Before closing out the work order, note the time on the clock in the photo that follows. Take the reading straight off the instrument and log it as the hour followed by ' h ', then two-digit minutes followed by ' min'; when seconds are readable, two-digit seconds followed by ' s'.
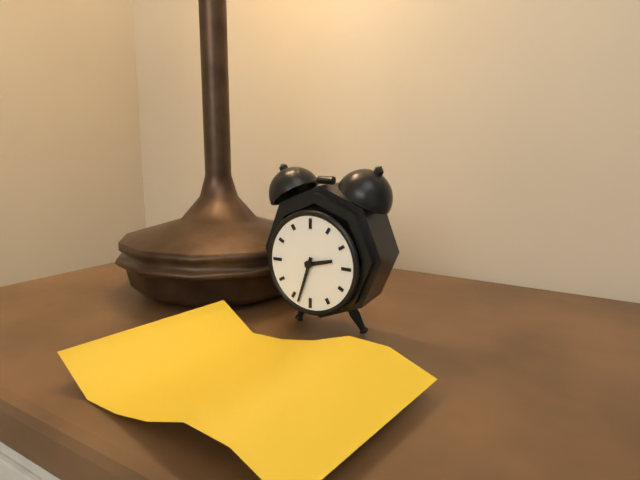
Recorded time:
2 h 33 min
